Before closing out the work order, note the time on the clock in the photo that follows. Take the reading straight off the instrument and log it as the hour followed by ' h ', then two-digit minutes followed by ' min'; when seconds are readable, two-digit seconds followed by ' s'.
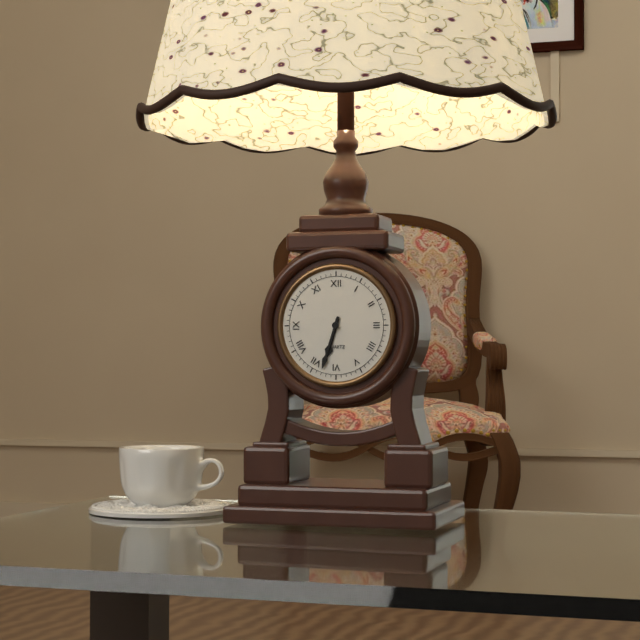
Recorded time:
6 h 33 min
